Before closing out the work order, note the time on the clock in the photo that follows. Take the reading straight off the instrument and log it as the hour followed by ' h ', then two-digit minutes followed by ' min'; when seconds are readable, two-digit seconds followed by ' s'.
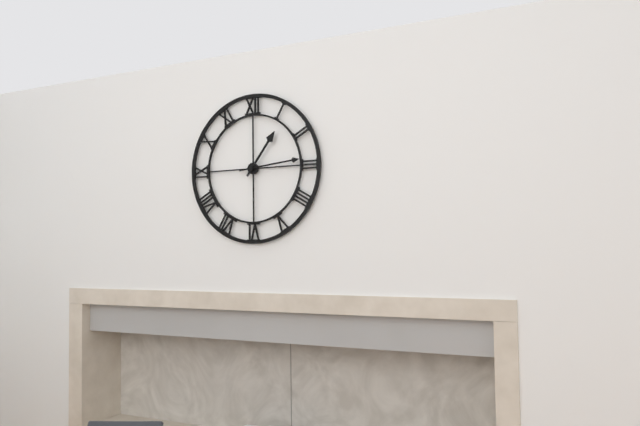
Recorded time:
1 h 14 min
